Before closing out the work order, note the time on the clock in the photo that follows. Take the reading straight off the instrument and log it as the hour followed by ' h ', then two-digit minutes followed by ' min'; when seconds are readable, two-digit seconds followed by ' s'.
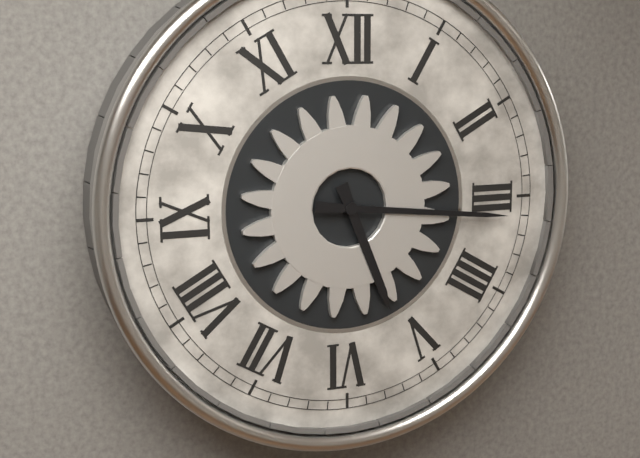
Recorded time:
5 h 16 min
